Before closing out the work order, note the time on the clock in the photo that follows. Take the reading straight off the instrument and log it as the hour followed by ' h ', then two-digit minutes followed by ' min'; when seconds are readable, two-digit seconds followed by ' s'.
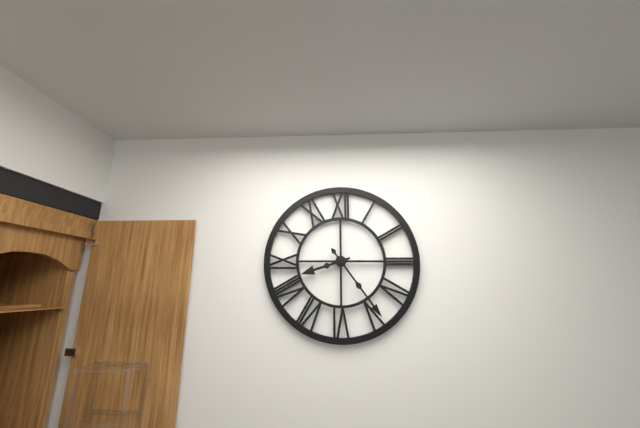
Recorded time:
8 h 24 min
